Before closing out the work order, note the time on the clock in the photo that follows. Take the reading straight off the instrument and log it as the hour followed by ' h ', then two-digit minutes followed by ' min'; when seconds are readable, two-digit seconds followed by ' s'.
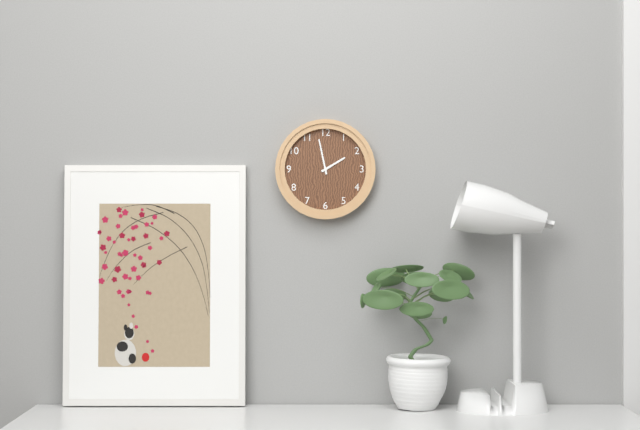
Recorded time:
1 h 58 min
